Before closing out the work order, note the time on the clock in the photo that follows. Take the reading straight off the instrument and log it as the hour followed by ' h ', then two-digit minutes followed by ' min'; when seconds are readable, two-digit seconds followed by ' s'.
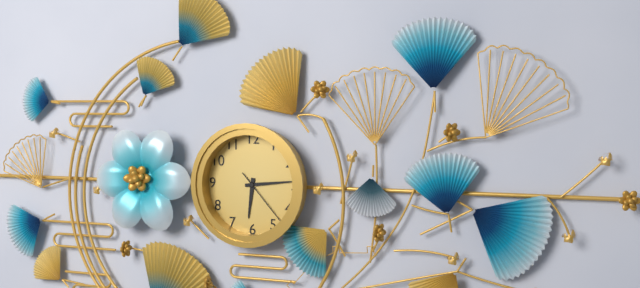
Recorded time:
6 h 14 min 23 s
